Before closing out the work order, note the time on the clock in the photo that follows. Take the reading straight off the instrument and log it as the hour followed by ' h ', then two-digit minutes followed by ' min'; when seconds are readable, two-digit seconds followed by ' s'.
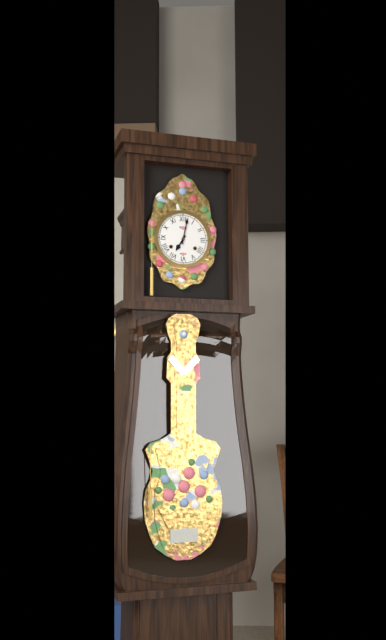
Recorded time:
7 h 02 min
